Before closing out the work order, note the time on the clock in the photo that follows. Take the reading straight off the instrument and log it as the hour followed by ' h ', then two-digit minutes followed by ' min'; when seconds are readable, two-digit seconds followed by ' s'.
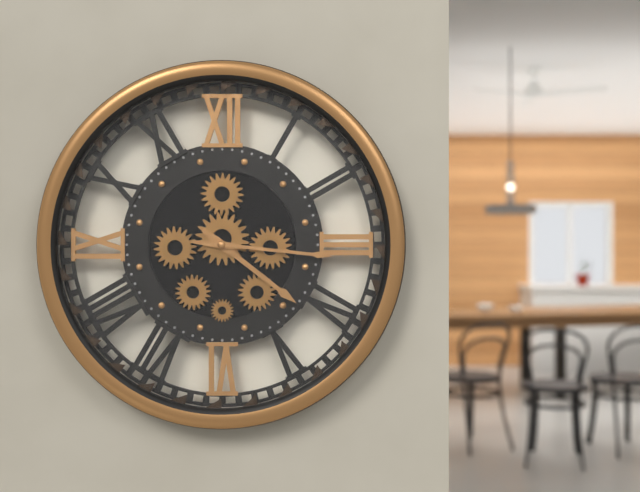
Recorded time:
4 h 16 min
